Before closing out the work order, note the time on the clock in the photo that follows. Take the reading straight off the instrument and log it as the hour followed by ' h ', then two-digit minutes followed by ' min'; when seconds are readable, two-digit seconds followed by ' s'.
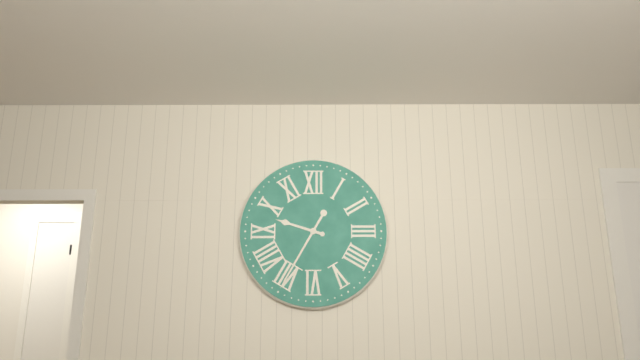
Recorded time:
9 h 35 min
